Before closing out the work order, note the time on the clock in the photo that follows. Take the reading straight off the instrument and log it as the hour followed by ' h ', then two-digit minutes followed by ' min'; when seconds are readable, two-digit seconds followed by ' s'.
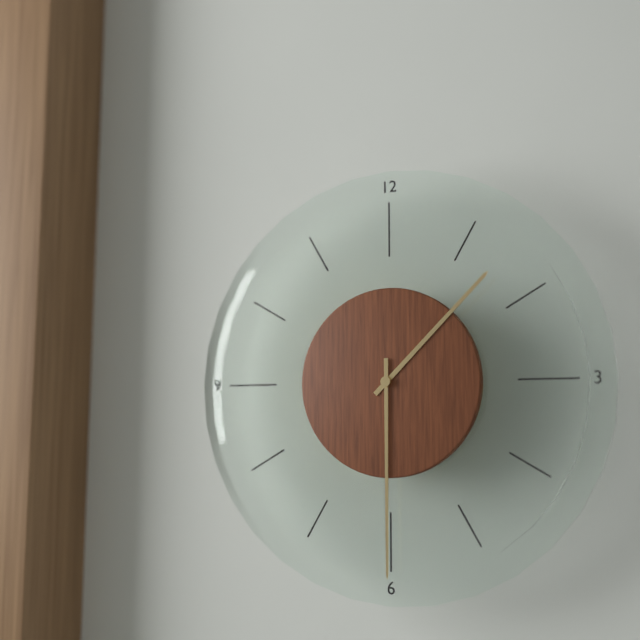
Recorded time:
1 h 30 min
